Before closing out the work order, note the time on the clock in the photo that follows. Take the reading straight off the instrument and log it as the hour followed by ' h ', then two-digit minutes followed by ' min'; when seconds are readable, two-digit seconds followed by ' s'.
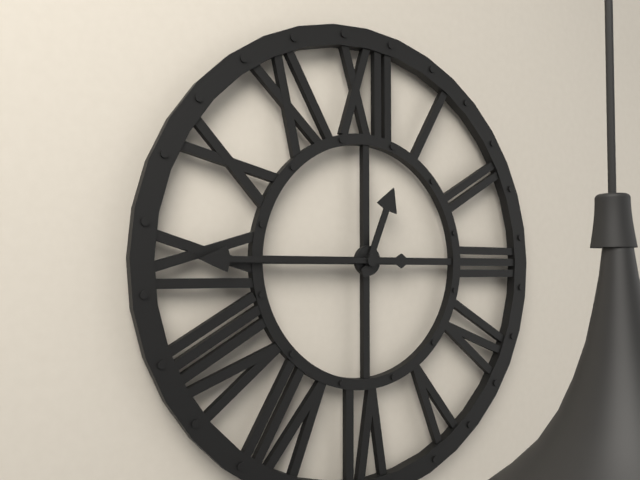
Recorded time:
12 h 45 min
